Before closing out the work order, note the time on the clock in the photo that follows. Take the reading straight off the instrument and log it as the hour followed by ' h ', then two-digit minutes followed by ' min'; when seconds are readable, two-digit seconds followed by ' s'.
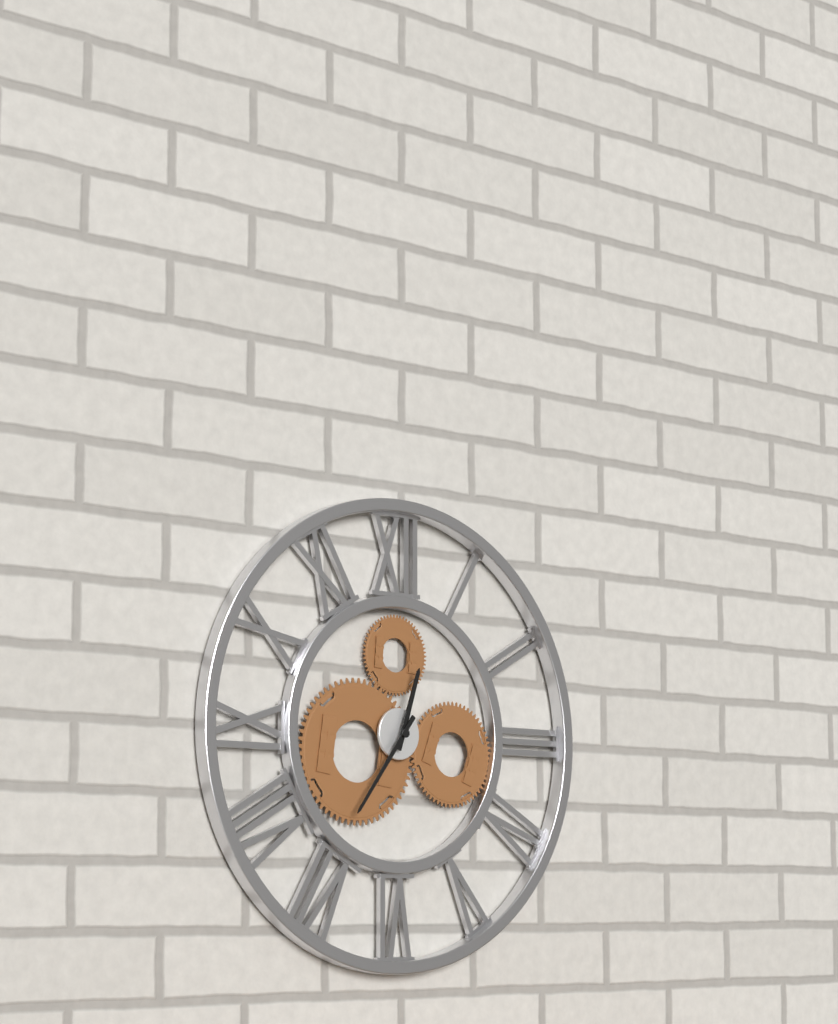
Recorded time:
12 h 36 min
